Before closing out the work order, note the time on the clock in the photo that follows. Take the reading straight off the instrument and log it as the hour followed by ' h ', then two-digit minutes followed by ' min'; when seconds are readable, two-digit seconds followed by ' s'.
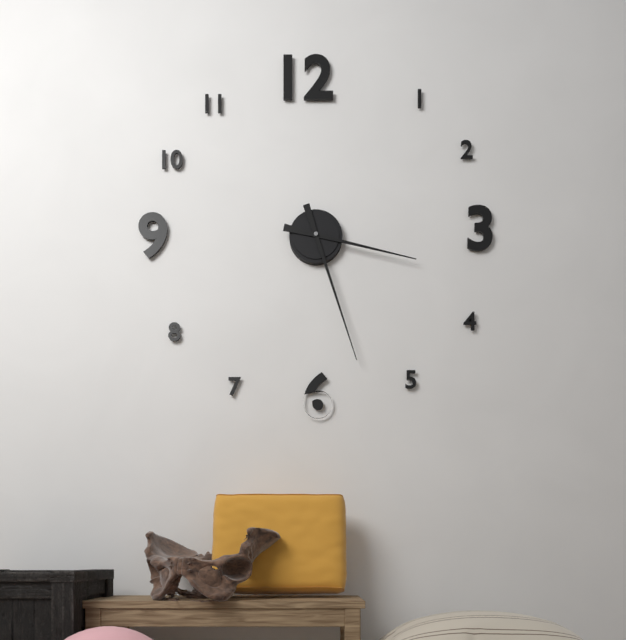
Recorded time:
3 h 27 min
